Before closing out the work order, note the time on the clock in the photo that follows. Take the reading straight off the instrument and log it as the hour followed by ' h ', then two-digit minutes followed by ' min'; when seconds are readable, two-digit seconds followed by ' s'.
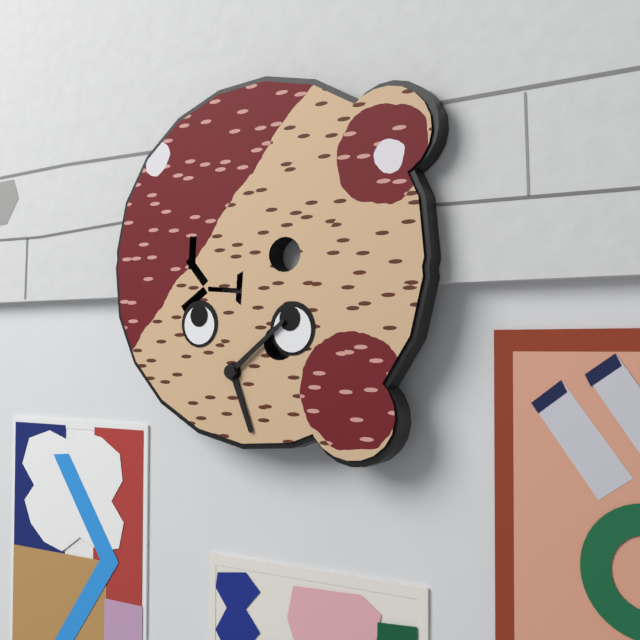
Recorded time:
5 h 08 min
